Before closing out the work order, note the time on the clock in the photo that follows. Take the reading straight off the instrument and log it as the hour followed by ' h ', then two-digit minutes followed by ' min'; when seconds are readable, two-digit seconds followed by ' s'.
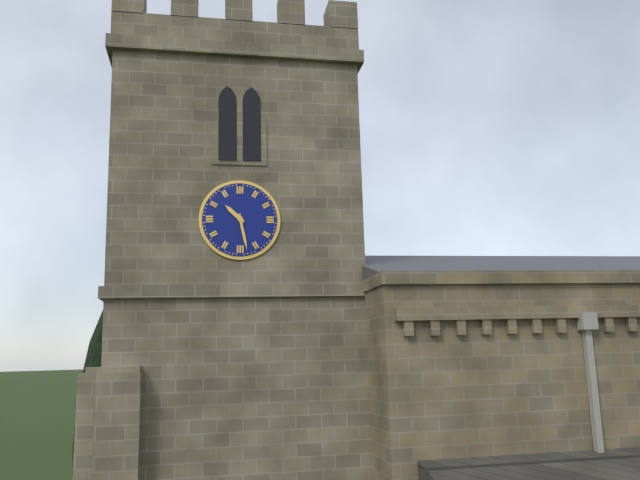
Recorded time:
10 h 28 min
